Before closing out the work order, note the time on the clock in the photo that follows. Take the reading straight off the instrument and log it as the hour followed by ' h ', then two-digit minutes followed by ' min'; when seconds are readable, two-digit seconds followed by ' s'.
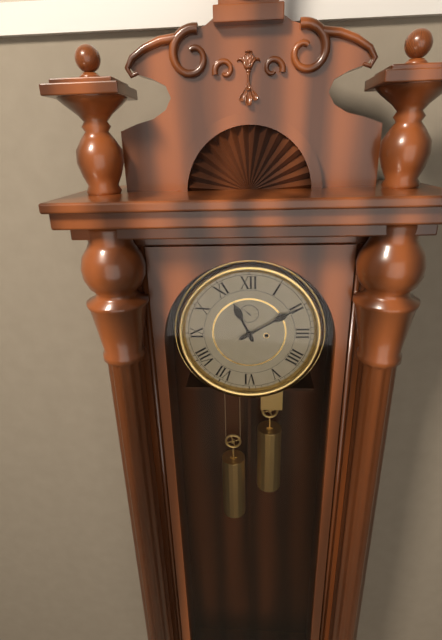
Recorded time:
11 h 10 min
